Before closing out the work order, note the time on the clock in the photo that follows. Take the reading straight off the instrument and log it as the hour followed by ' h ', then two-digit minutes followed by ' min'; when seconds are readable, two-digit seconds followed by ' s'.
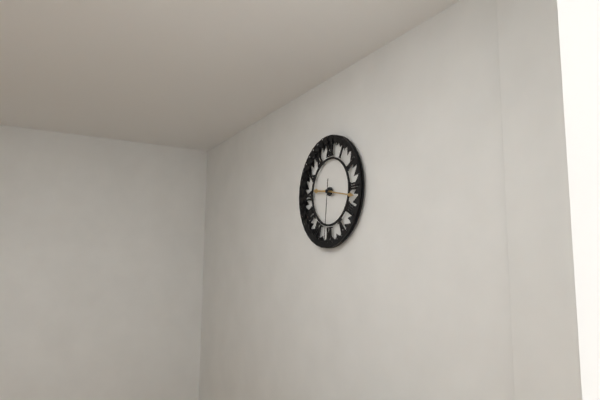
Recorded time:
9 h 17 min 31 s
